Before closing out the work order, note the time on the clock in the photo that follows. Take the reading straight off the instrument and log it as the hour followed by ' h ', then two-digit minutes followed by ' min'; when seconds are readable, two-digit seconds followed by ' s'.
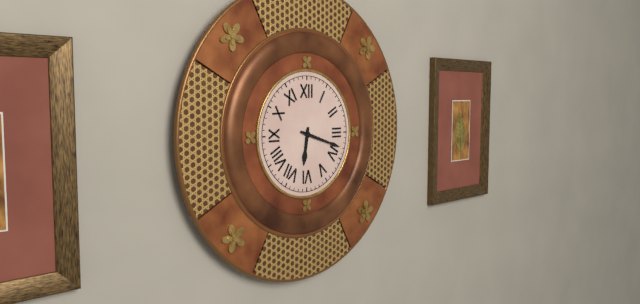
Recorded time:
6 h 18 min
